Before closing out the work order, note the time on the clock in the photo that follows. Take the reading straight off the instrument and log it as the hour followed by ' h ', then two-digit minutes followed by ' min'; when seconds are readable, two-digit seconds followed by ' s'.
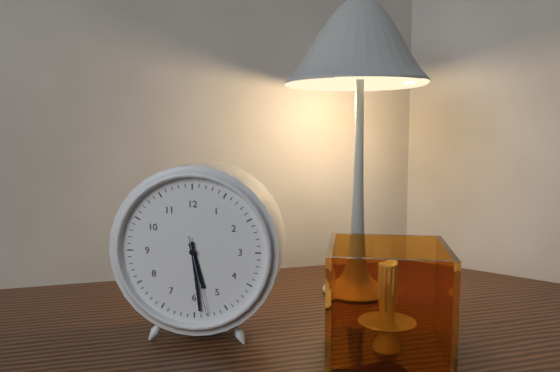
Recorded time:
5 h 29 min 28 s
